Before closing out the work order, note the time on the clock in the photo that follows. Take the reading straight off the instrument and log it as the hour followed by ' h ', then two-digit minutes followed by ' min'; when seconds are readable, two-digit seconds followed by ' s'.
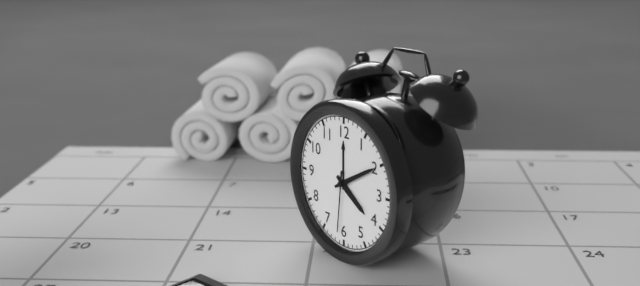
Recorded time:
4 h 10 min 31 s
